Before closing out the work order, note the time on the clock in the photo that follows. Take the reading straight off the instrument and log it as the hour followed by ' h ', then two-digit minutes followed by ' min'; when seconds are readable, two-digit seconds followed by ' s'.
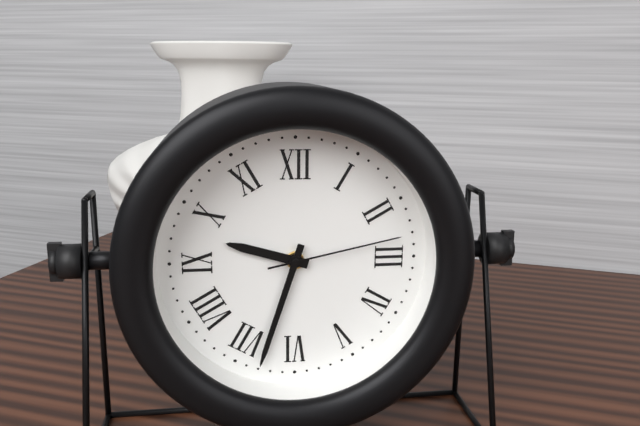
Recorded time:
9 h 33 min 13 s
